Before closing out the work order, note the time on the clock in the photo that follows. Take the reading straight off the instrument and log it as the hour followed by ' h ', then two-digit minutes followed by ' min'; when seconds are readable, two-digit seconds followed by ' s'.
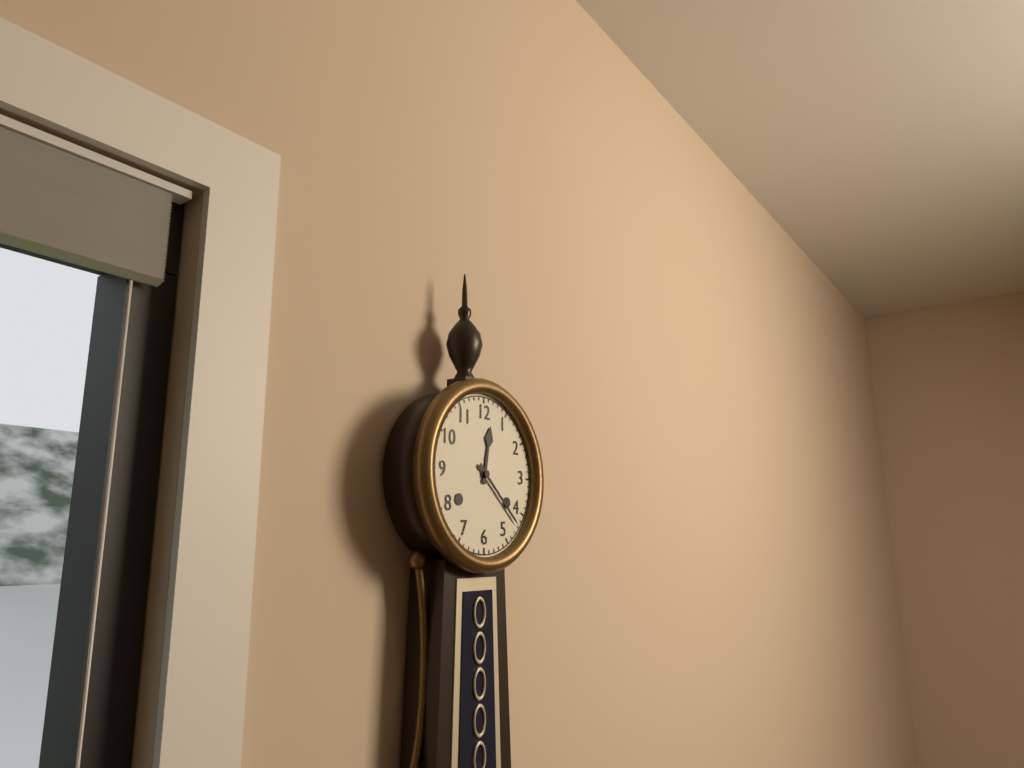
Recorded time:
12 h 22 min
